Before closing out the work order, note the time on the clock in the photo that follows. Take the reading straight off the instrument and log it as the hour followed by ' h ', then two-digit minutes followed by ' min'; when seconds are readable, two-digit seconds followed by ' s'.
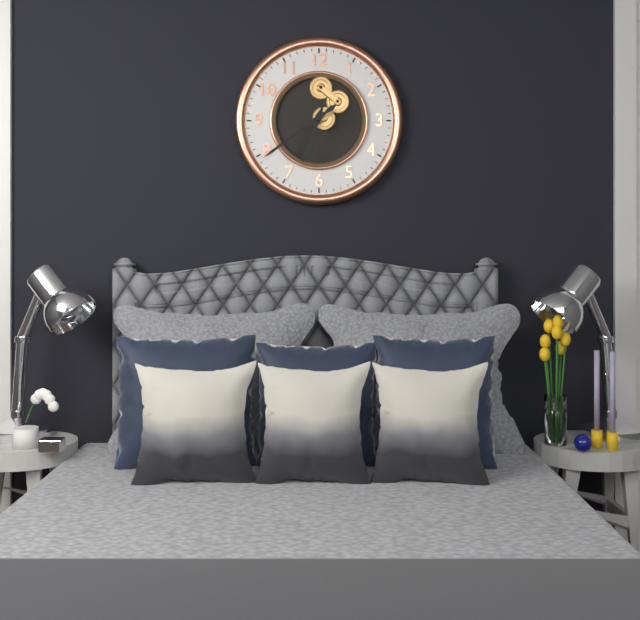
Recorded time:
6 h 39 min
